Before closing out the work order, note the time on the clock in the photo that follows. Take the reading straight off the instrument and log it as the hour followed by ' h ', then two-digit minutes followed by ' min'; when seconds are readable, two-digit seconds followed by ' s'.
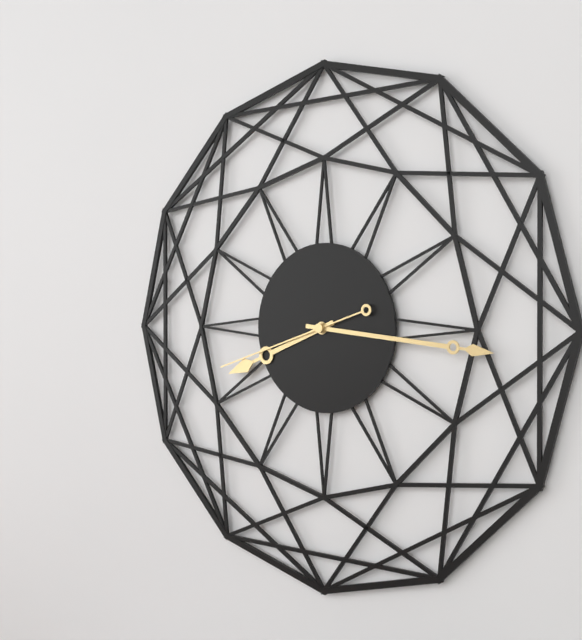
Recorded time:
8 h 16 min 42 s
